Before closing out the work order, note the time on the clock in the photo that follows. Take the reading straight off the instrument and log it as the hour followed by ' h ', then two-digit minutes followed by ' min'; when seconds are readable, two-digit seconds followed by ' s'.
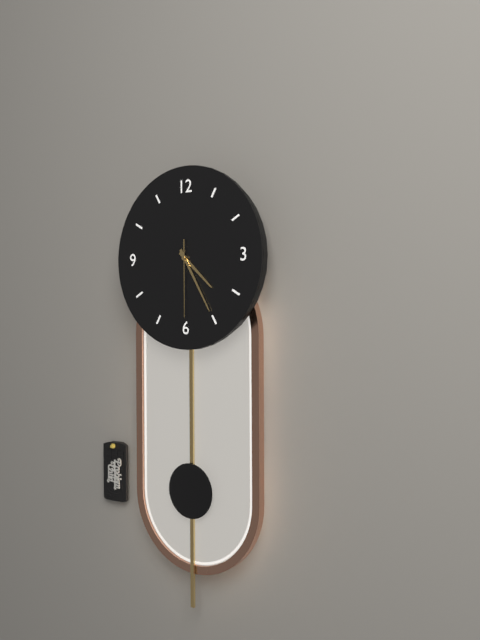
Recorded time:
4 h 25 min 30 s
